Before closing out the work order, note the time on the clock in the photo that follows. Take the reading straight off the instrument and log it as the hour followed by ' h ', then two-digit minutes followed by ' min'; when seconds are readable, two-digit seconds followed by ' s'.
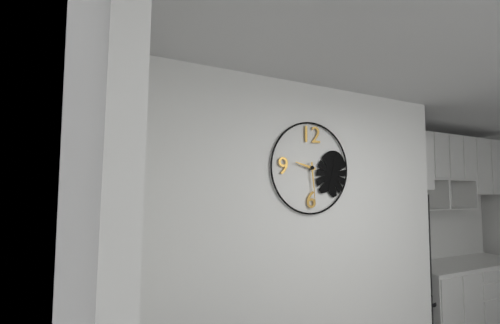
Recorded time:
9 h 29 min
